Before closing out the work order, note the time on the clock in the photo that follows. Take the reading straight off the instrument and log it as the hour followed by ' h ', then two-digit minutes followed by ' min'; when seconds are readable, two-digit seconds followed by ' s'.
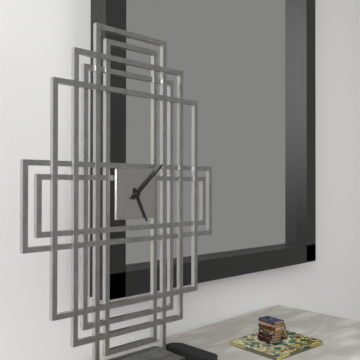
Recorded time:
5 h 08 min
